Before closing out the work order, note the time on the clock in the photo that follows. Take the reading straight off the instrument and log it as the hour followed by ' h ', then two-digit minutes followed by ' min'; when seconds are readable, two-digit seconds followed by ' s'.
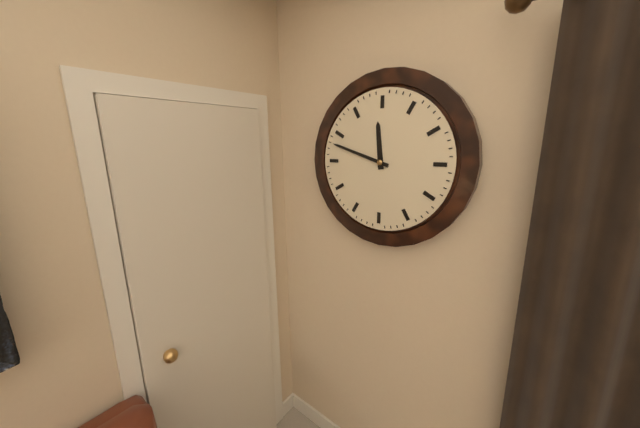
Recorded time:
11 h 48 min
